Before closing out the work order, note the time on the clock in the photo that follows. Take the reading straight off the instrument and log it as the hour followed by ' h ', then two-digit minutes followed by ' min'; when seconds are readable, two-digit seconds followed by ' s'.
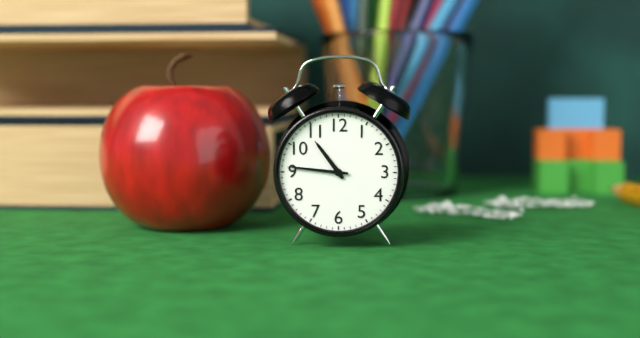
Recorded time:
10 h 46 min
